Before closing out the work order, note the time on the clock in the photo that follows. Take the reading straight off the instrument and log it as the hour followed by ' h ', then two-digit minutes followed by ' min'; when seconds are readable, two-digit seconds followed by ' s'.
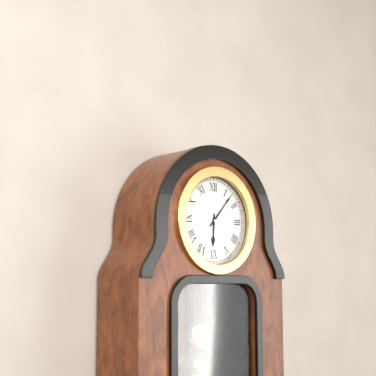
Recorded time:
6 h 07 min
